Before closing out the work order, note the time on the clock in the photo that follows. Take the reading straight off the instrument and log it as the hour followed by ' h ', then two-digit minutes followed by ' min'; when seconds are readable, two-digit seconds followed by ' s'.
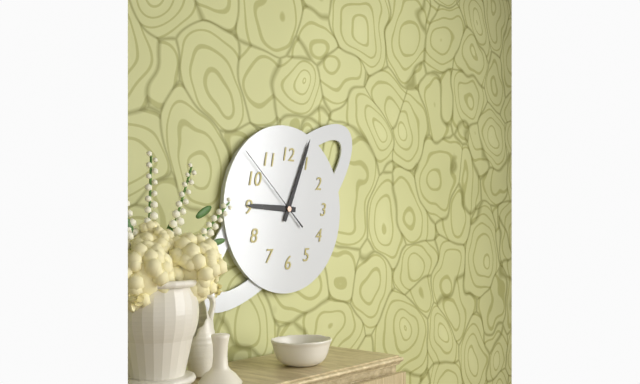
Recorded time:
9 h 04 min 52 s
